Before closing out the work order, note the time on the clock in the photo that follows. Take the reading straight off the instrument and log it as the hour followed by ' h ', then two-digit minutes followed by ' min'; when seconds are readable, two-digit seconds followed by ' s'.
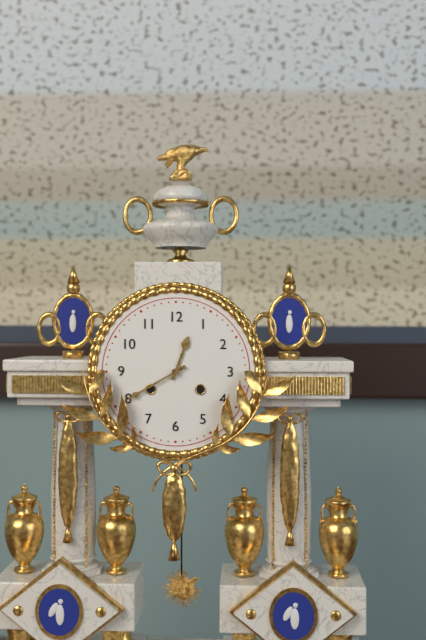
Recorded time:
12 h 40 min
